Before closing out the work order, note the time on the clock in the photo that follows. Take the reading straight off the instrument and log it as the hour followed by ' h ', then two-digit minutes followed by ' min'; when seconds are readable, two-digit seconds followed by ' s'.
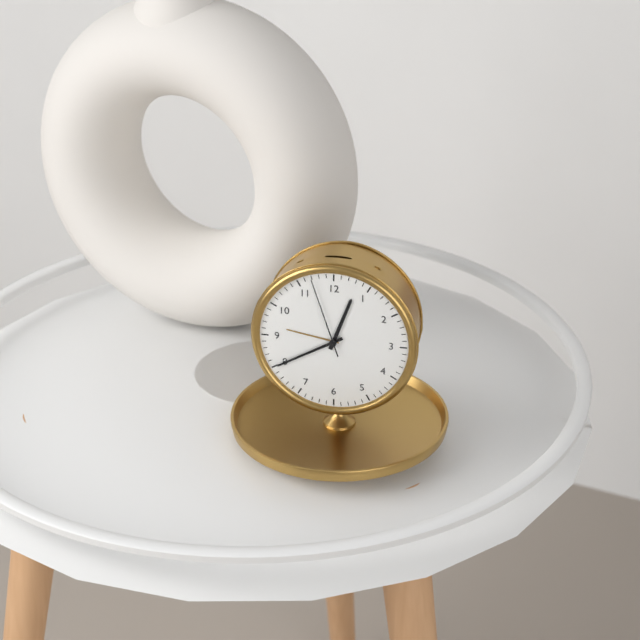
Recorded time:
12 h 40 min 57 s
